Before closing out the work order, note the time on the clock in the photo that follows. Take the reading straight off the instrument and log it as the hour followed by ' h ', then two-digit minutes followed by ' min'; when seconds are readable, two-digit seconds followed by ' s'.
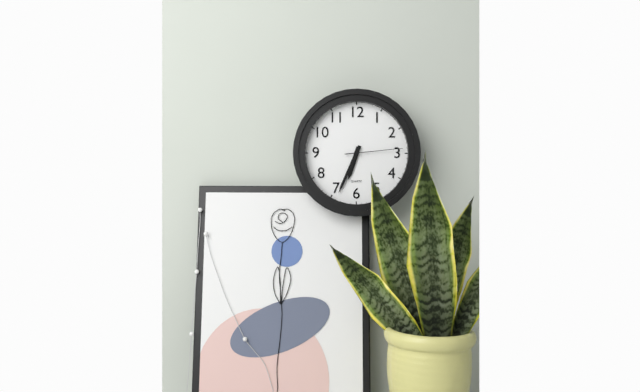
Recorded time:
6 h 34 min 14 s
